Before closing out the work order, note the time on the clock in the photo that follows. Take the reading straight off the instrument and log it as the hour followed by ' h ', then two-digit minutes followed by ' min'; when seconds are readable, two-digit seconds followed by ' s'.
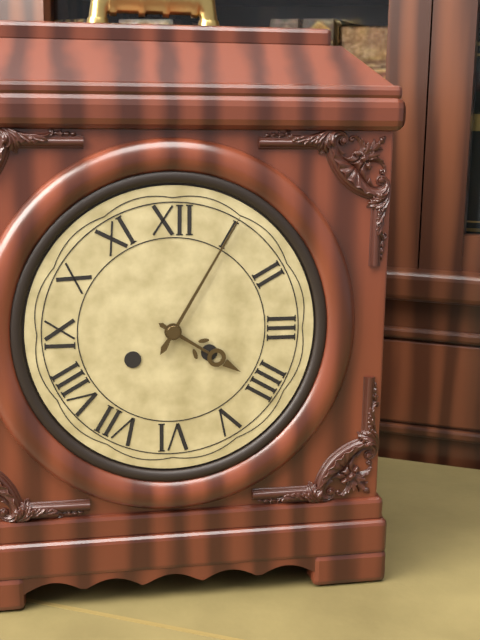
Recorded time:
4 h 05 min
